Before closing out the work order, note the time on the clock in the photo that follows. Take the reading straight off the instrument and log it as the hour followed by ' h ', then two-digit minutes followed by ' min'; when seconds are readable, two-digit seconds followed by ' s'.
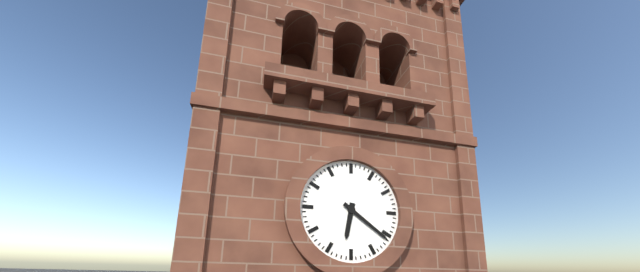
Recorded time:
6 h 21 min
